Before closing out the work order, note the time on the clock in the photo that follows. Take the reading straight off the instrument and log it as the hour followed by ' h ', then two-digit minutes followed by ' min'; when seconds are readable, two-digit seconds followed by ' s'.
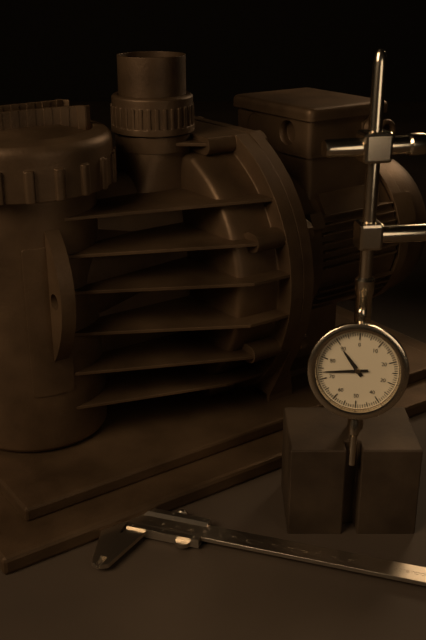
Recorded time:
10 h 44 min
